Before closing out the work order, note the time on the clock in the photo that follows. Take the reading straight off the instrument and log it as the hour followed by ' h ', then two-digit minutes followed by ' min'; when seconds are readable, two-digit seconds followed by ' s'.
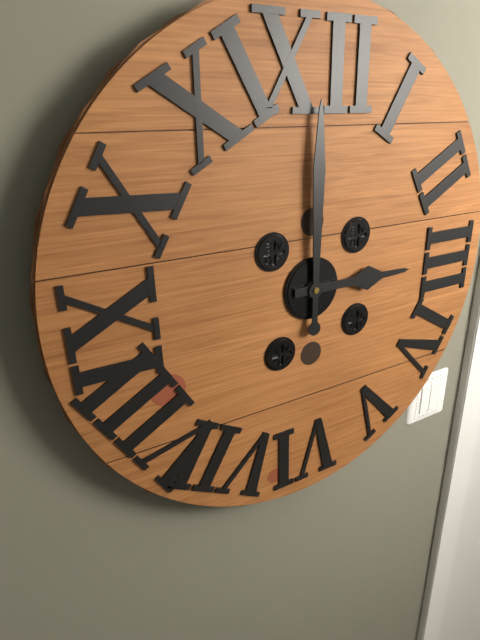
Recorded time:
3 h 00 min
